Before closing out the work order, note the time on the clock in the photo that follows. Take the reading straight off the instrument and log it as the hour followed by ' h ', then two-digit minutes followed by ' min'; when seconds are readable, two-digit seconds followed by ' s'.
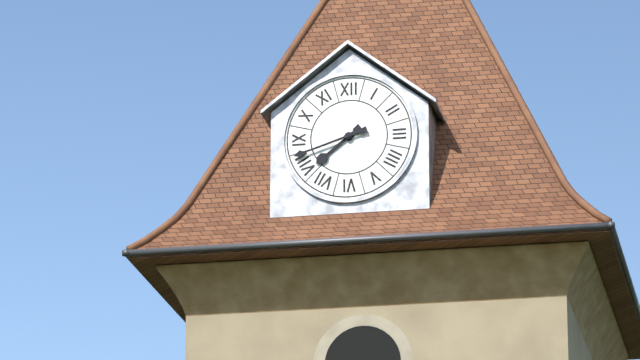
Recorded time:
7 h 42 min
